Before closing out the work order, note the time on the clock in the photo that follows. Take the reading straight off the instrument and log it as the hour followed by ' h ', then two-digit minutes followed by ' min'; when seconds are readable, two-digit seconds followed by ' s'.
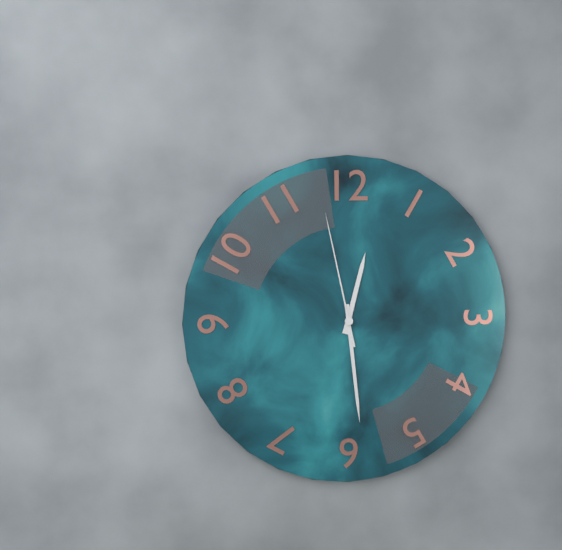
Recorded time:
12 h 29 min 58 s
